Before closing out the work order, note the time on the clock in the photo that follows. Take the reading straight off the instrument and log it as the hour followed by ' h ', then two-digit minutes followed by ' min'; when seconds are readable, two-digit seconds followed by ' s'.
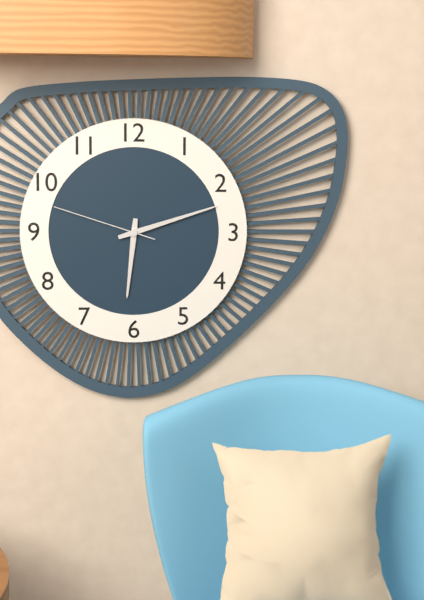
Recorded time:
6 h 12 min 48 s
